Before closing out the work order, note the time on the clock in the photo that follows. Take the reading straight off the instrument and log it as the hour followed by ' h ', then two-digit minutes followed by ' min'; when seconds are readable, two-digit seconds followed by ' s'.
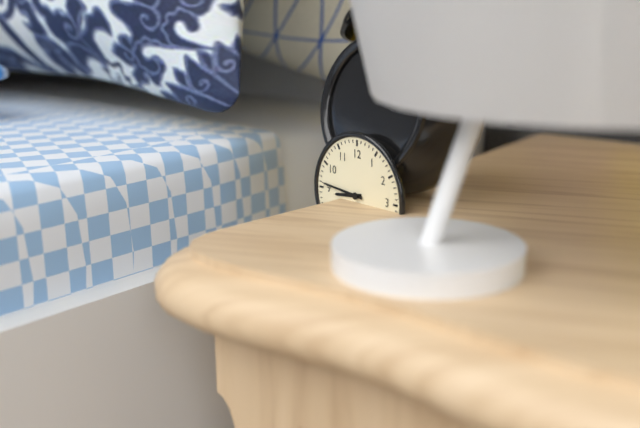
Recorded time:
8 h 46 min
